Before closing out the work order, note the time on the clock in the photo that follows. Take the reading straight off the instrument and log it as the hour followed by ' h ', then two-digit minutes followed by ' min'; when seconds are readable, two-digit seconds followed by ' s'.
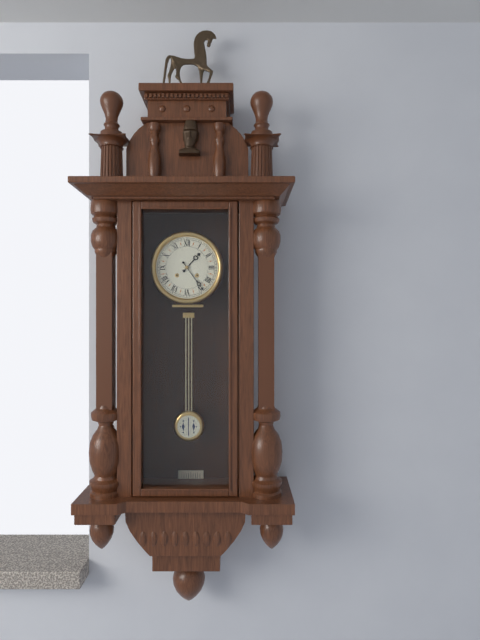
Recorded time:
1 h 24 min
